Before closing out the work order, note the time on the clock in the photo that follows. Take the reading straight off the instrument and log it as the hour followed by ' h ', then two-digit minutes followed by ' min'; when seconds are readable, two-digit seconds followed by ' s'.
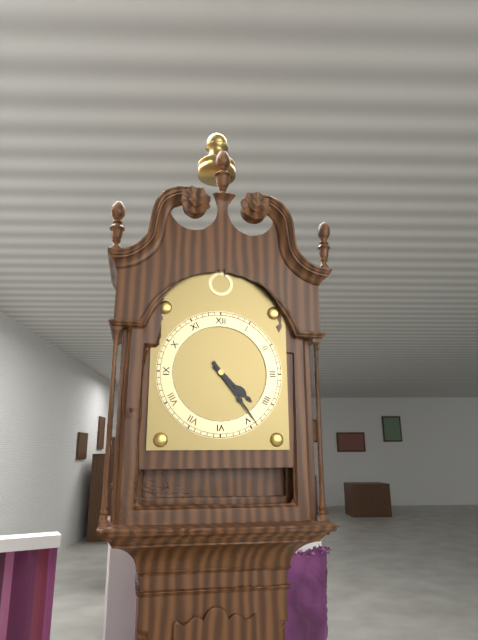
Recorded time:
4 h 24 min
